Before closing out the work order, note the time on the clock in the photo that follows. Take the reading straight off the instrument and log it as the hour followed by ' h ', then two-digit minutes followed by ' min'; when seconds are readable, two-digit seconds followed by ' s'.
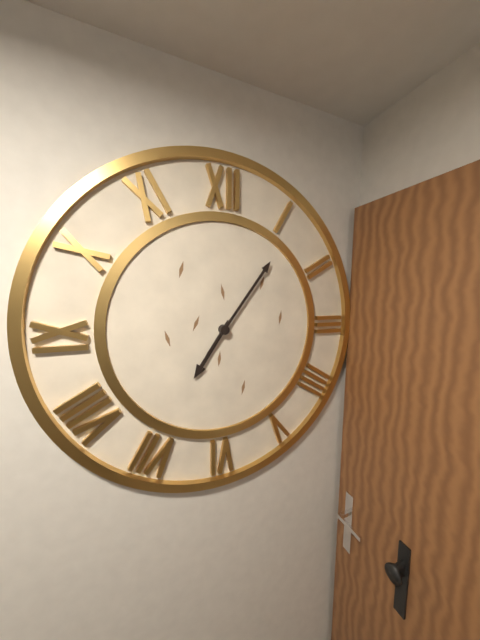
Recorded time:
7 h 06 min
